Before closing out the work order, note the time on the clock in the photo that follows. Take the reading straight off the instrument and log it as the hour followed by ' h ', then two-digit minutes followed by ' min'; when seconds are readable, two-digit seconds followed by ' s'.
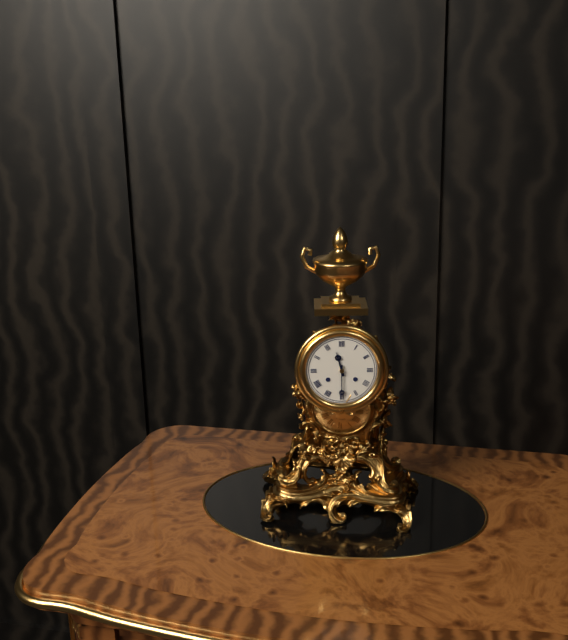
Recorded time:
11 h 30 min
